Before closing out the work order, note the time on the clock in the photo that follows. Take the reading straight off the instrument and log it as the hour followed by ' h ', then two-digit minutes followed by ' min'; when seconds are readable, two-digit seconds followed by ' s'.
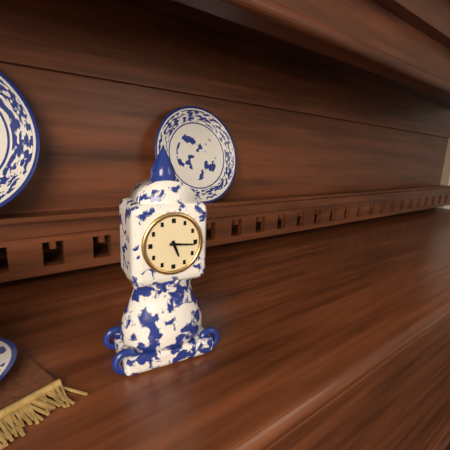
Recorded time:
5 h 16 min
